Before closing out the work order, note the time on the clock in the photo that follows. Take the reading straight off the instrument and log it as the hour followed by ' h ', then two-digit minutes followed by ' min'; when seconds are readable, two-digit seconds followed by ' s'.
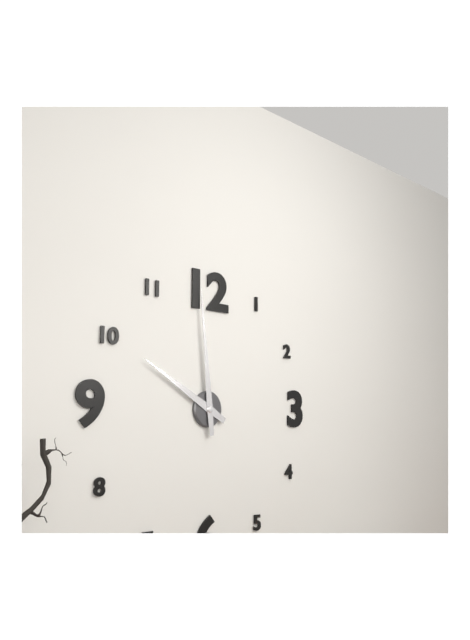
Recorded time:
9 h 59 min
